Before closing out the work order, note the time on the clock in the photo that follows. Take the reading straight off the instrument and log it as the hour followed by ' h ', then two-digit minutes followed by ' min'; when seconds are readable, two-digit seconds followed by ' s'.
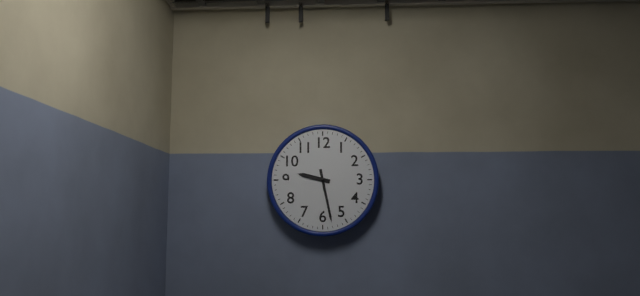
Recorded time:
9 h 28 min
